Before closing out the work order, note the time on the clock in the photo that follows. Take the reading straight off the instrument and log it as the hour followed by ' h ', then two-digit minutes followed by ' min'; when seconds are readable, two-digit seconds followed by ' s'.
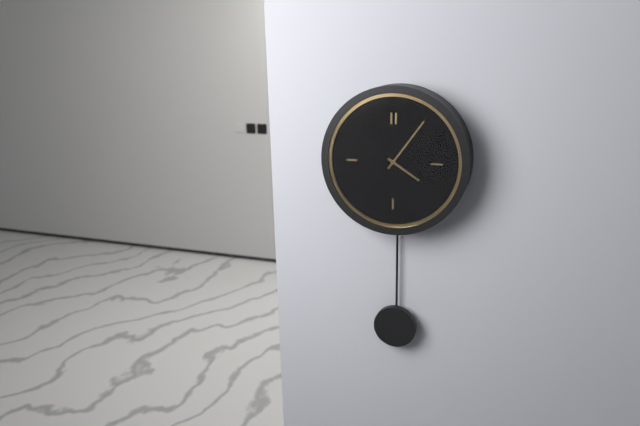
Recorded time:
4 h 06 min
